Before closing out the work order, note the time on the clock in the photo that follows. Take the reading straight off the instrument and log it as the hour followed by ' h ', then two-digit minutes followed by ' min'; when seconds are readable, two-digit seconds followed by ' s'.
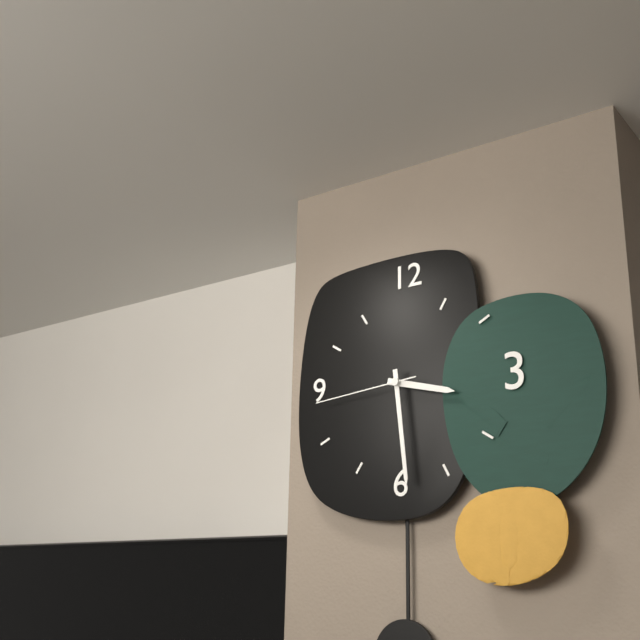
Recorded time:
3 h 29 min 44 s
